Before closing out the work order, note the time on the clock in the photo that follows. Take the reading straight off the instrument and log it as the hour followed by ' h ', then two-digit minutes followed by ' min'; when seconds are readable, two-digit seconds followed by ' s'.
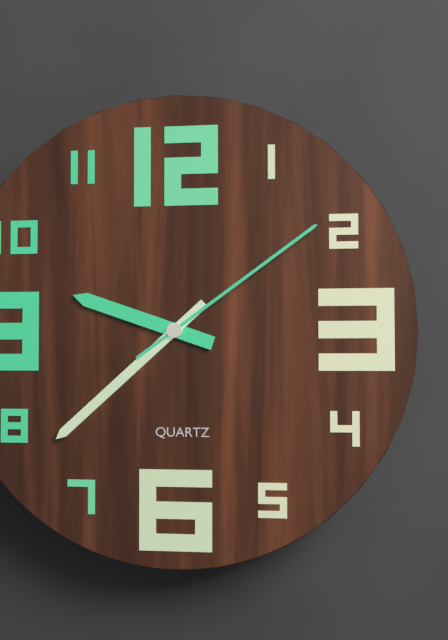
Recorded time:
9 h 38 min 09 s
